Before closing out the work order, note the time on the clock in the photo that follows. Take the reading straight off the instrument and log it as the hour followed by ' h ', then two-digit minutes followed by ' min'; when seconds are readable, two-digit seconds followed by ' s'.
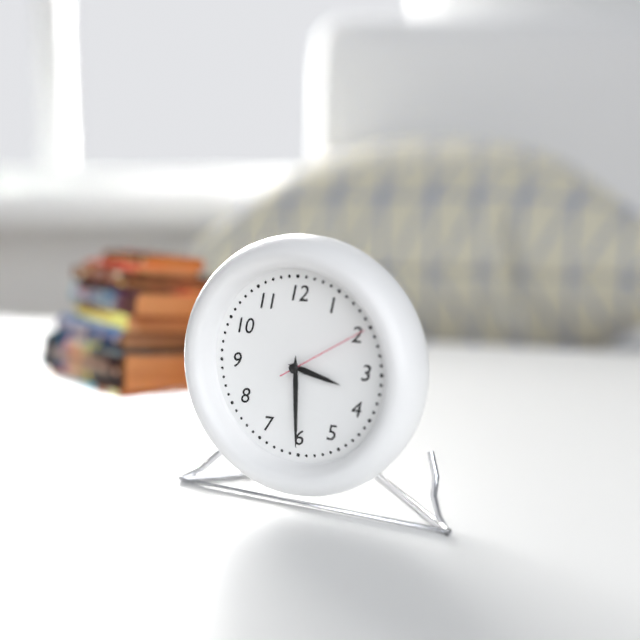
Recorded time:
3 h 30 min 10 s
